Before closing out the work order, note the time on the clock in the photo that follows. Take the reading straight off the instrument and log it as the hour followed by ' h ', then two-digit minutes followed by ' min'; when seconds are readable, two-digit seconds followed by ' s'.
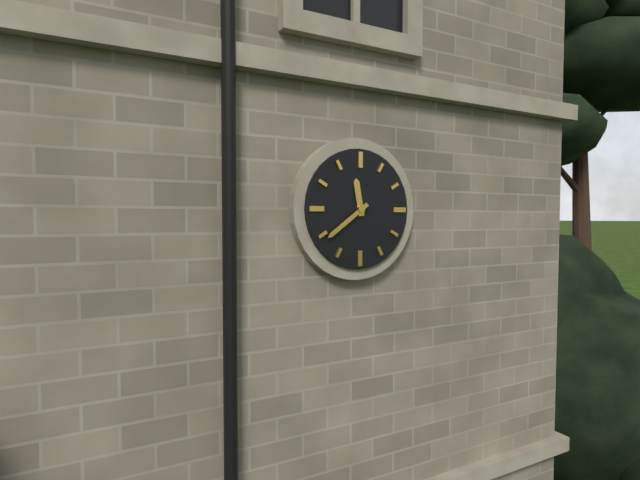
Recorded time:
11 h 39 min
